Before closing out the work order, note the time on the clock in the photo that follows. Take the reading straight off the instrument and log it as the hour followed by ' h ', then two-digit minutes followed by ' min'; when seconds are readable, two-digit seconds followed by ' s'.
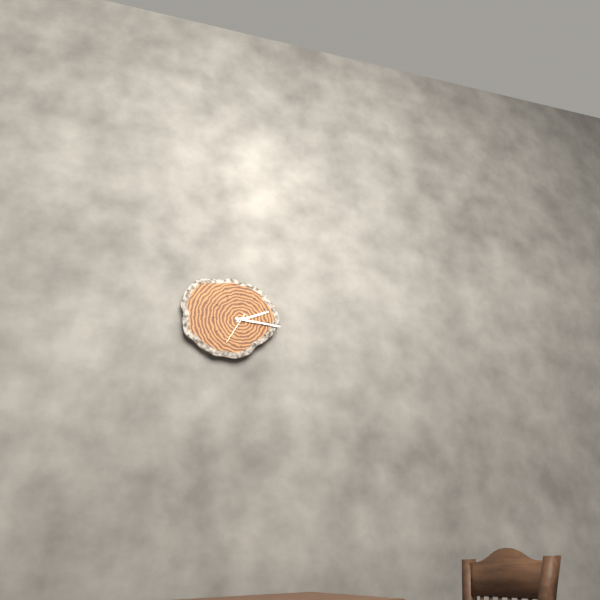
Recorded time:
2 h 16 min
